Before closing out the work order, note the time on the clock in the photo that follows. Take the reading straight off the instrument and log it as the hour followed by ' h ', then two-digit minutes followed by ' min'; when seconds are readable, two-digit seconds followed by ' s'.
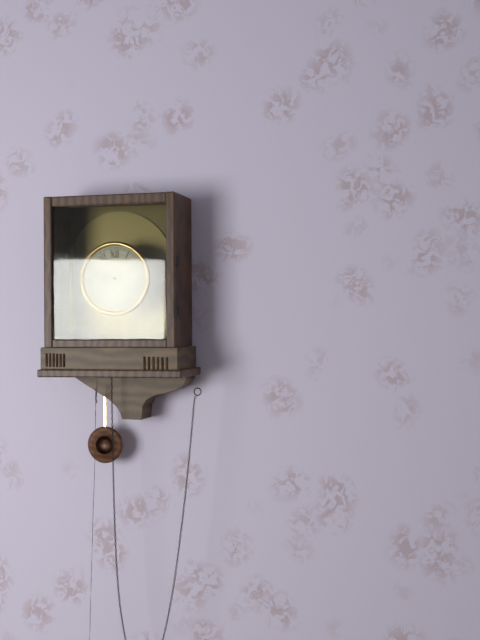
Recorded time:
9 h 45 min
